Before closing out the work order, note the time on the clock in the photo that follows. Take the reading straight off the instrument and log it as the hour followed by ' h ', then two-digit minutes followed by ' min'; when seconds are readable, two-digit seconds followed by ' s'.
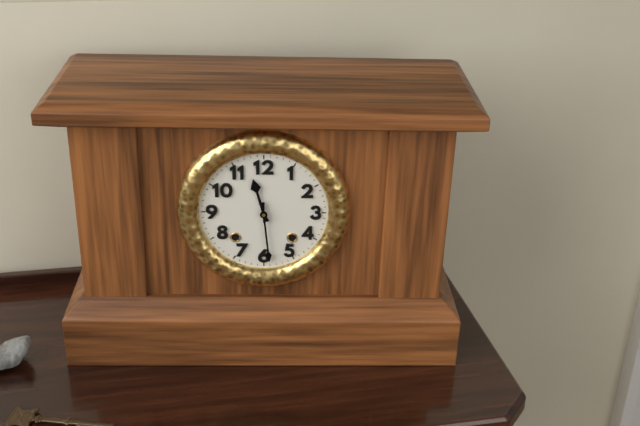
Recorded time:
11 h 29 min
